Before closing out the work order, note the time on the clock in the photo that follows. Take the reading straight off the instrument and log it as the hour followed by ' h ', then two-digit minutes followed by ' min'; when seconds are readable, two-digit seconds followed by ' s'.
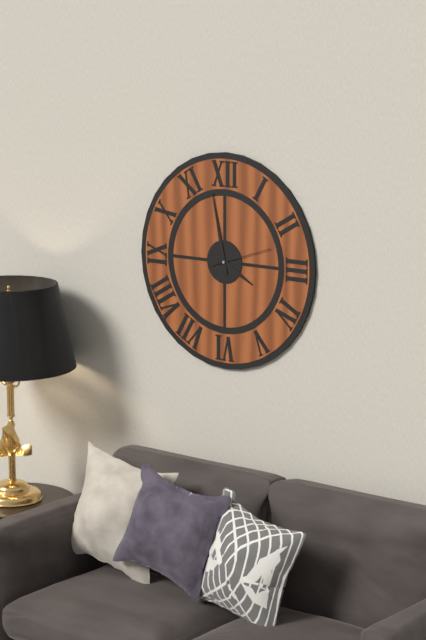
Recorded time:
3 h 58 min 12 s
